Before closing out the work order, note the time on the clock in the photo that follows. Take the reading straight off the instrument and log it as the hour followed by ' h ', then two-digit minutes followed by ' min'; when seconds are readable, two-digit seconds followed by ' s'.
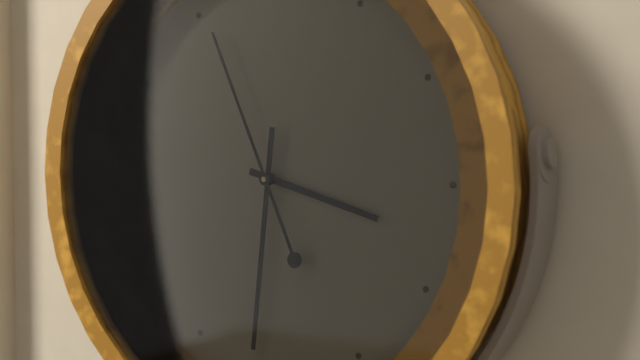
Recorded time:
3 h 31 min 56 s
